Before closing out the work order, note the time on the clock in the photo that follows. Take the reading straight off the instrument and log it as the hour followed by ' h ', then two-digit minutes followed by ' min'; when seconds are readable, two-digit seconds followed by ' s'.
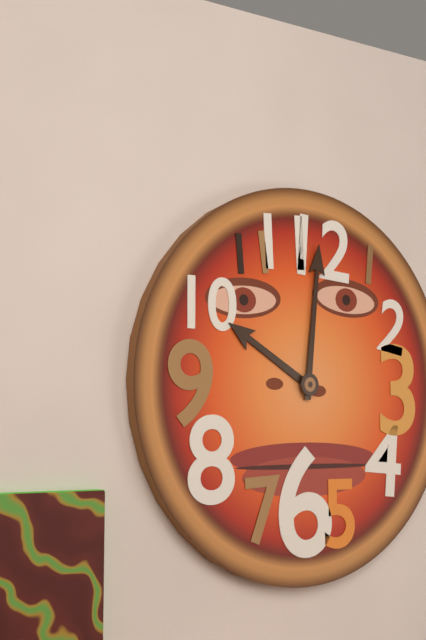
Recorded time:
10 h 01 min
